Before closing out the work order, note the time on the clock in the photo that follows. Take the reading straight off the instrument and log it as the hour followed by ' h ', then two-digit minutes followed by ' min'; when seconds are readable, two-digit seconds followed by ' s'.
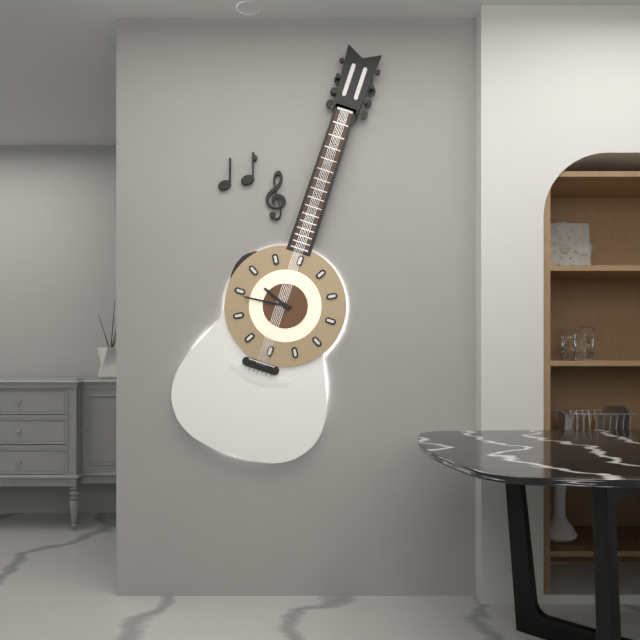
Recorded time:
9 h 44 min
